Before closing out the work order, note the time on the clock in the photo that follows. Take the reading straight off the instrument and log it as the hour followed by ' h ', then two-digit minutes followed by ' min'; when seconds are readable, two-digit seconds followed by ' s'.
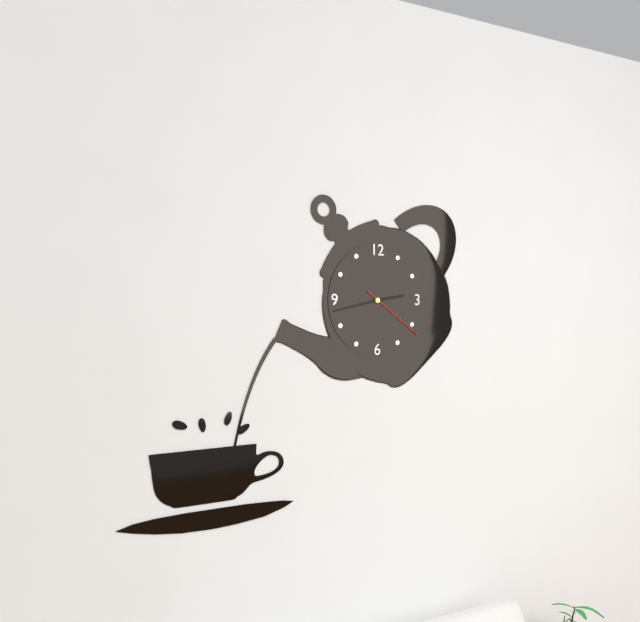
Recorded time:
2 h 43 min 21 s
